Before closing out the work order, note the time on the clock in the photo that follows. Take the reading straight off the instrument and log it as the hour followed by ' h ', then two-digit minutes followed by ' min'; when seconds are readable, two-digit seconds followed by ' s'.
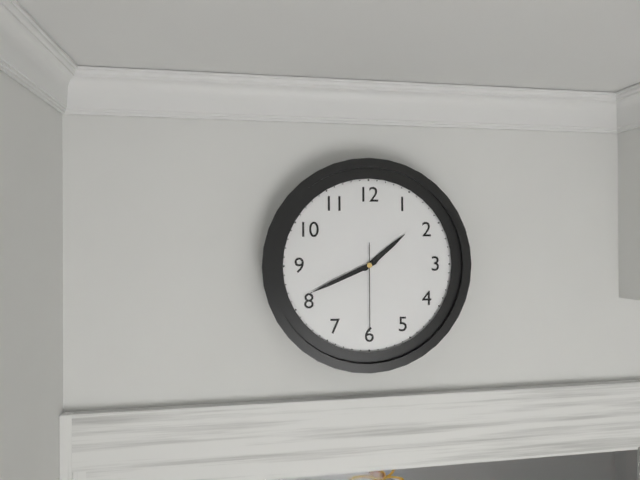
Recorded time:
1 h 41 min 30 s
